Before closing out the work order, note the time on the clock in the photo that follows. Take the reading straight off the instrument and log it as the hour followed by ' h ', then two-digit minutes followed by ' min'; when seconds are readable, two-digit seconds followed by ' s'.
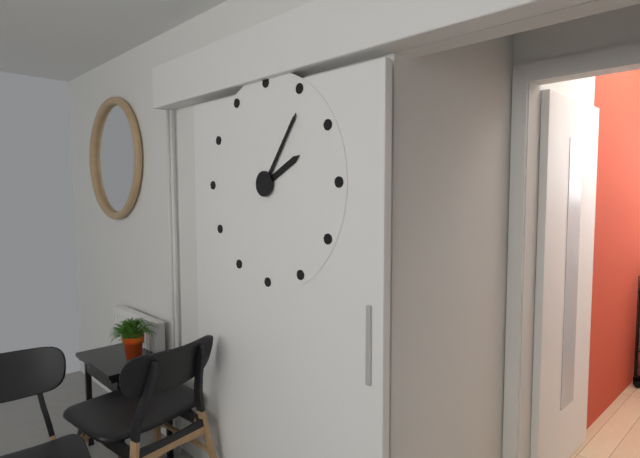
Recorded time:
2 h 06 min
